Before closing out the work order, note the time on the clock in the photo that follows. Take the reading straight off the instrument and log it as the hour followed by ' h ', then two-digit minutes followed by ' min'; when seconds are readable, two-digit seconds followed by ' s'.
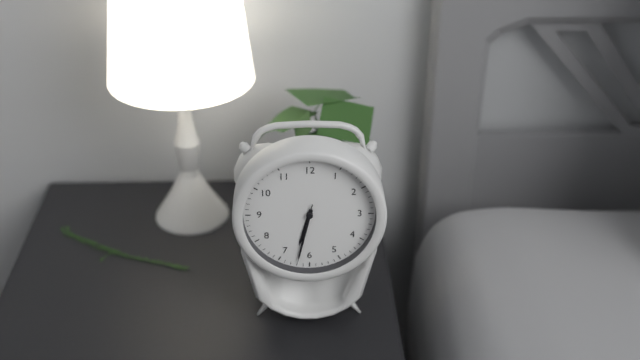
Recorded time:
6 h 32 min 32 s
